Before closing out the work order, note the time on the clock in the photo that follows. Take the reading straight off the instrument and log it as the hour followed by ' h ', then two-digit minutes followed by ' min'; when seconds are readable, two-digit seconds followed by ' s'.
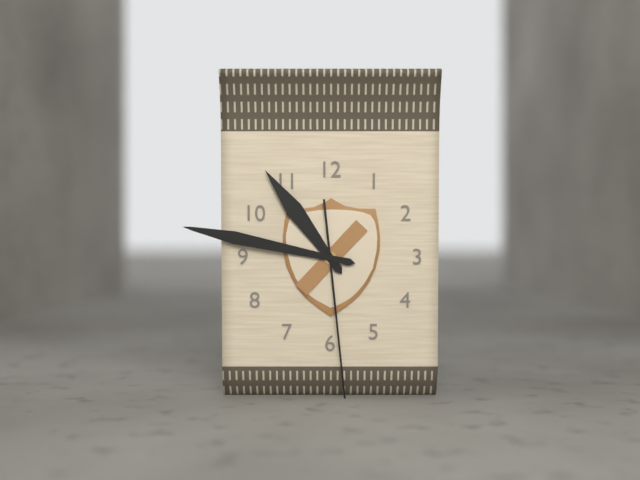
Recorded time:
10 h 47 min 29 s
